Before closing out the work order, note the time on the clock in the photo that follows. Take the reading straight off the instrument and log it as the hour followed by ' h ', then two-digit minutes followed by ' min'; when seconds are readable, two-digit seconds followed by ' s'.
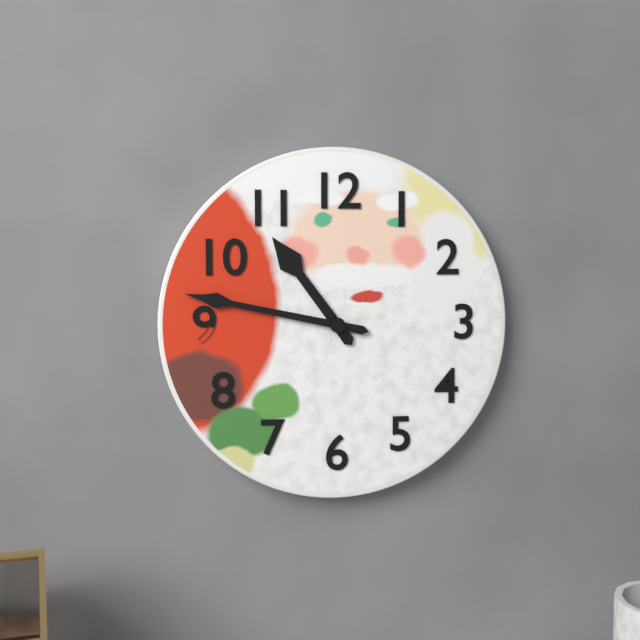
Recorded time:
10 h 47 min
